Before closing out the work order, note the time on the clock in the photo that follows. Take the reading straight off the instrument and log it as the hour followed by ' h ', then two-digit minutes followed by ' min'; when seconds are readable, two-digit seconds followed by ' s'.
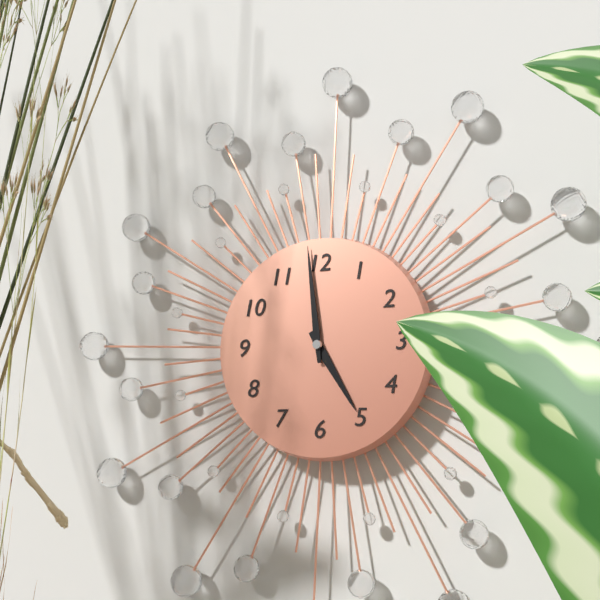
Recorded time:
4 h 59 min
